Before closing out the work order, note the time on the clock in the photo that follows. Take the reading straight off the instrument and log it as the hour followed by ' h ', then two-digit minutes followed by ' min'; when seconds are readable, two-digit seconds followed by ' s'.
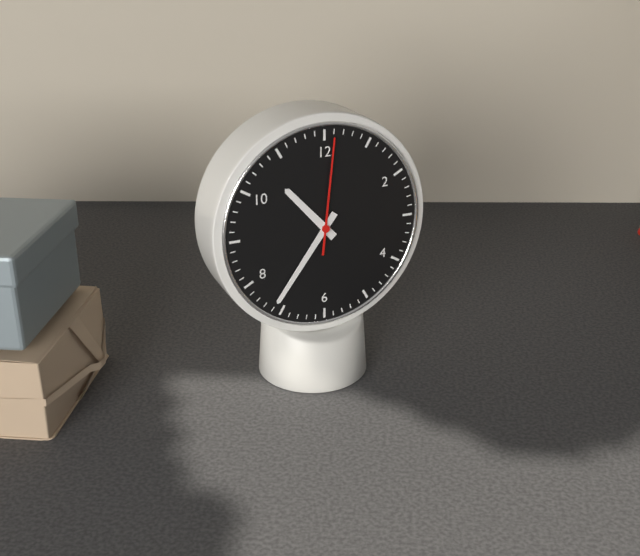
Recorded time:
10 h 36 min 01 s
